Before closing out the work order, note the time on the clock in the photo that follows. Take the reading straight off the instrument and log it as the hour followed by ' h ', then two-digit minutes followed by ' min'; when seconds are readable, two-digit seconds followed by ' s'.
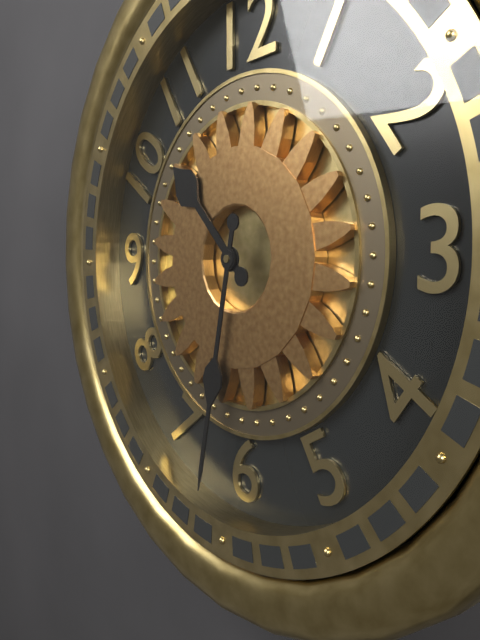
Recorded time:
10 h 32 min
